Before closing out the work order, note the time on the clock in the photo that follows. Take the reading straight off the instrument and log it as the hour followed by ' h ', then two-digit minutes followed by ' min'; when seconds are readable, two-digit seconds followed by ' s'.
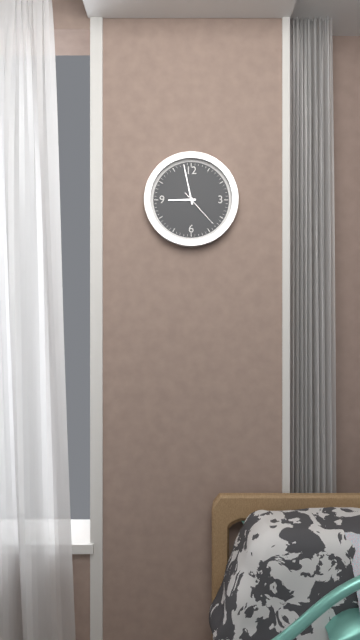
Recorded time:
8 h 58 min
